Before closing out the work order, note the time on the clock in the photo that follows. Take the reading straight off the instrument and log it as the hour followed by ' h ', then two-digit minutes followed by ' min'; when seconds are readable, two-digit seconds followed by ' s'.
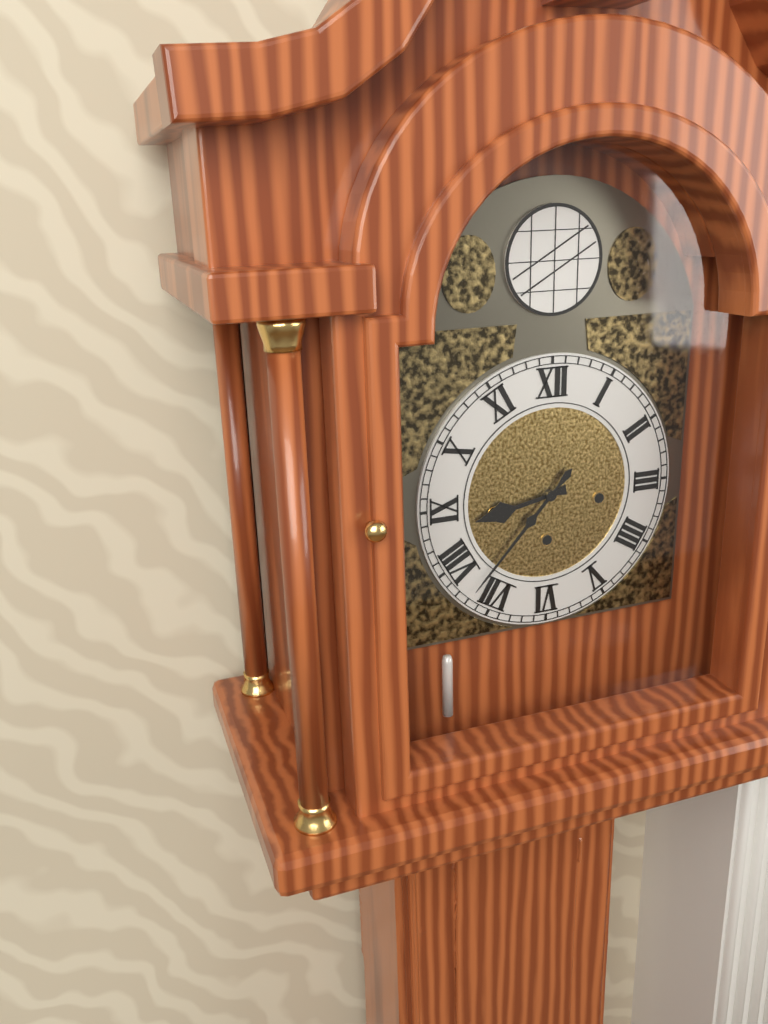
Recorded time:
8 h 37 min
